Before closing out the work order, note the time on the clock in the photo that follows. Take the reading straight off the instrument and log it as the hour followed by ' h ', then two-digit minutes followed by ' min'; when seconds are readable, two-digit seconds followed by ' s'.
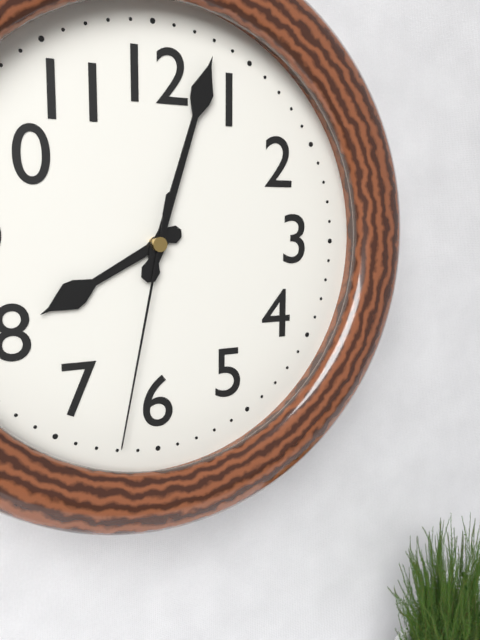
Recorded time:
8 h 03 min 32 s
